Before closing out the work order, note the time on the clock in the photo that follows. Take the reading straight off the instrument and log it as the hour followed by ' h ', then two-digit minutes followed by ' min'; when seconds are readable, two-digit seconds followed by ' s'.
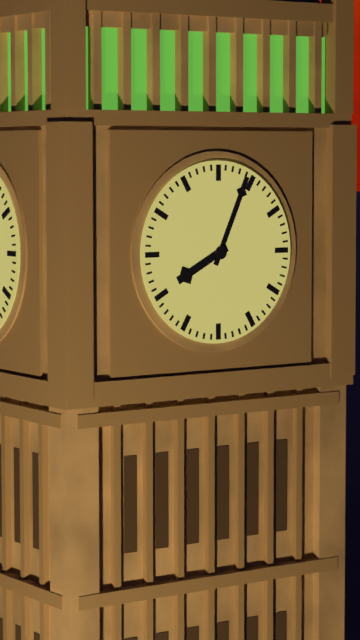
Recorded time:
8 h 04 min
